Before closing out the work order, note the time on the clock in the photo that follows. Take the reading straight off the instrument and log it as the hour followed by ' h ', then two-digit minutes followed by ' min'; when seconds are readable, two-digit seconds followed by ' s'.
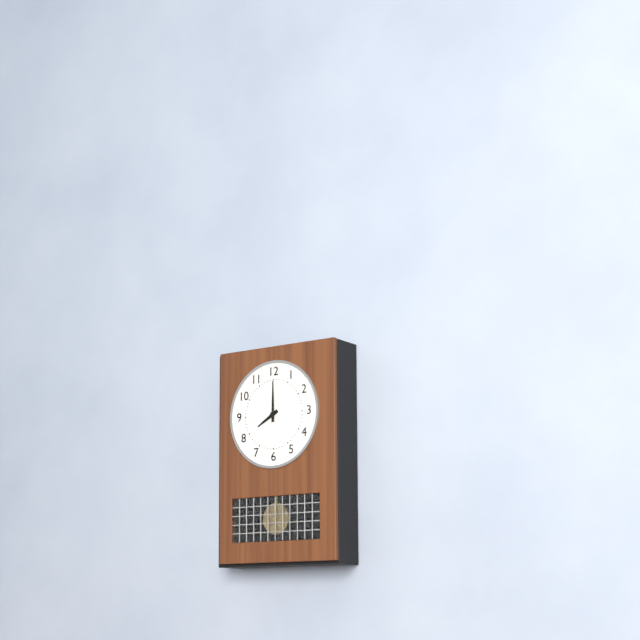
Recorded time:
8 h 00 min
